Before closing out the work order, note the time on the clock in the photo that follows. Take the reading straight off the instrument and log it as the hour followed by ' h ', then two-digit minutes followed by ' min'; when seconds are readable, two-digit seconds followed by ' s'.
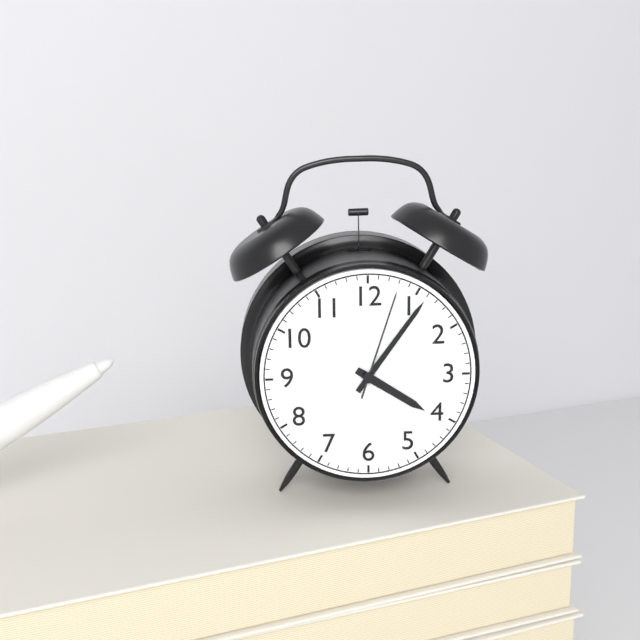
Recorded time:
4 h 06 min 03 s
